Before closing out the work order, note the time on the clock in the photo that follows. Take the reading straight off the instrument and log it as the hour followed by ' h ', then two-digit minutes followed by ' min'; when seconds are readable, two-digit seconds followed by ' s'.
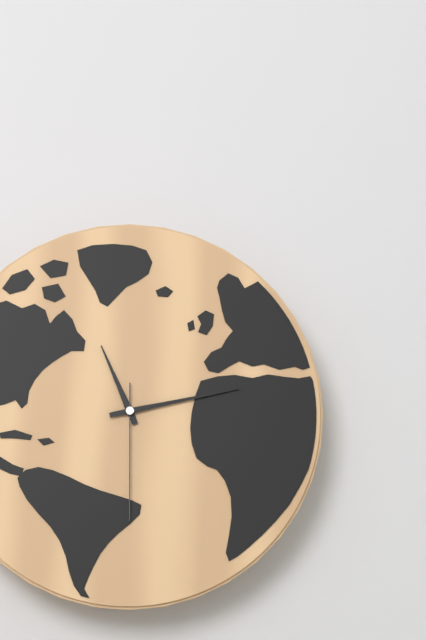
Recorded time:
11 h 13 min 30 s
